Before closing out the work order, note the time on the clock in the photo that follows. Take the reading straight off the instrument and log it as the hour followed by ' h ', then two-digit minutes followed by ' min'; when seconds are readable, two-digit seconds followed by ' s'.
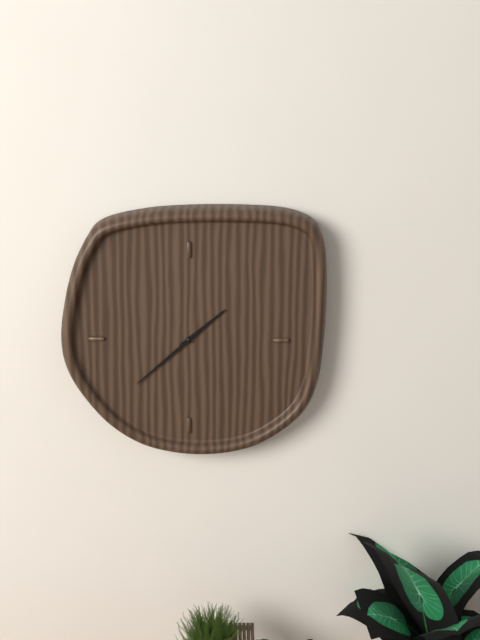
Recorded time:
1 h 38 min
